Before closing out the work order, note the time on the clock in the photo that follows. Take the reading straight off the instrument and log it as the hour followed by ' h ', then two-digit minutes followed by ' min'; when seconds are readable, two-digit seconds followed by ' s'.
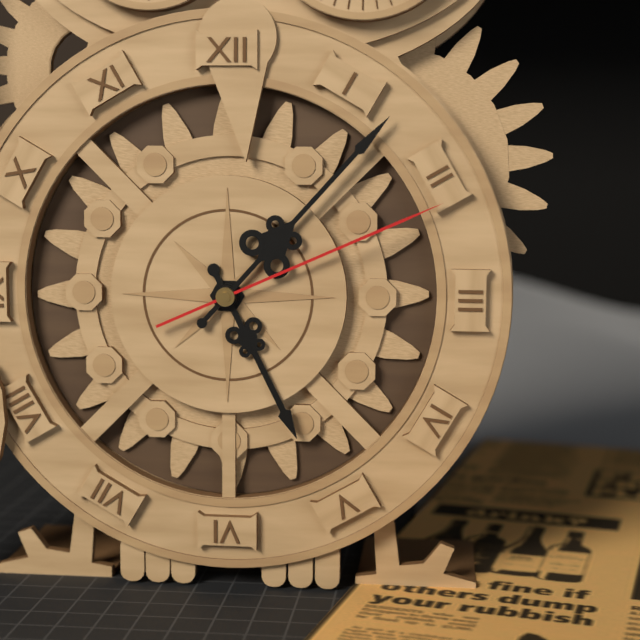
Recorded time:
5 h 07 min 11 s
